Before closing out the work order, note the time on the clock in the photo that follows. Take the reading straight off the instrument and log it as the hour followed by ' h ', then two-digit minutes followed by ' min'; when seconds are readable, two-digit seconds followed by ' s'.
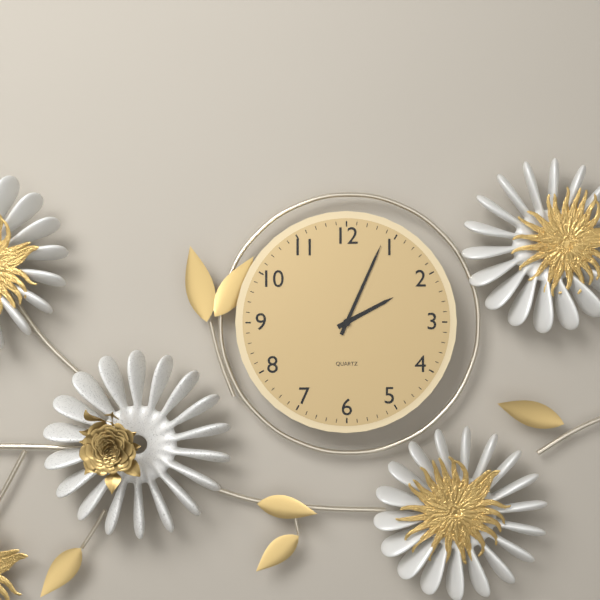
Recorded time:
2 h 04 min
